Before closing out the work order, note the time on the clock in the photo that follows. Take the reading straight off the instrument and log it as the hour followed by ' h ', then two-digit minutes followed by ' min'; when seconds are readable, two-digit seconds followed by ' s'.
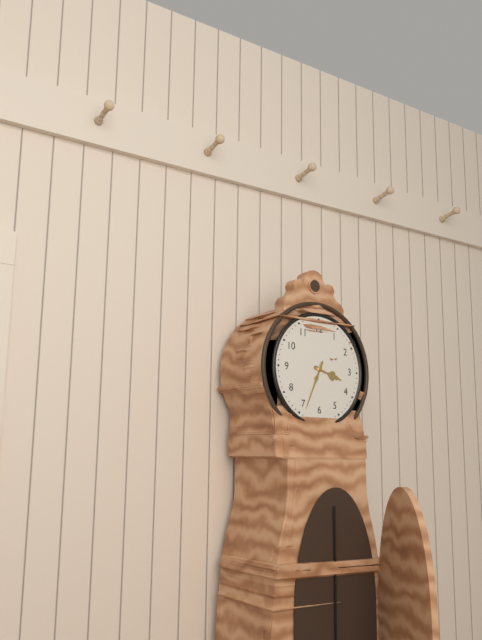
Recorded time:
3 h 34 min
